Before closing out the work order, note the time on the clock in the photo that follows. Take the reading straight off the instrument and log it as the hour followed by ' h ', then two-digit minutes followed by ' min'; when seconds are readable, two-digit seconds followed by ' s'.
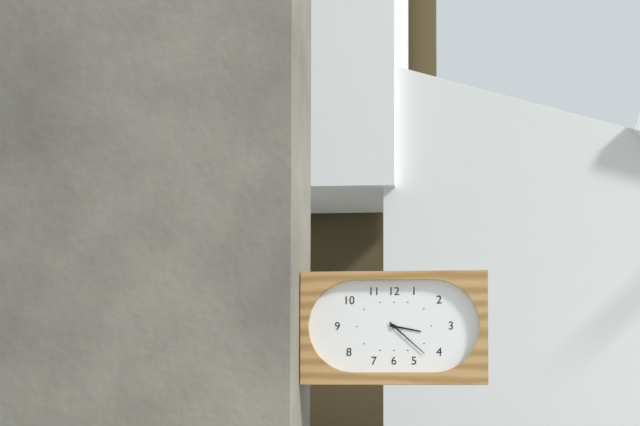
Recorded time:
3 h 22 min
